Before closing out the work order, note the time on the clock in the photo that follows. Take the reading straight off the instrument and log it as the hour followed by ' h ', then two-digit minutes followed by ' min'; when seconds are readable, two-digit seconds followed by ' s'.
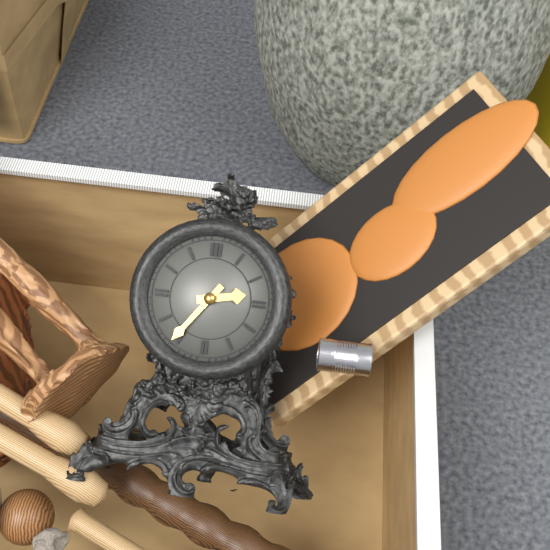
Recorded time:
2 h 36 min
